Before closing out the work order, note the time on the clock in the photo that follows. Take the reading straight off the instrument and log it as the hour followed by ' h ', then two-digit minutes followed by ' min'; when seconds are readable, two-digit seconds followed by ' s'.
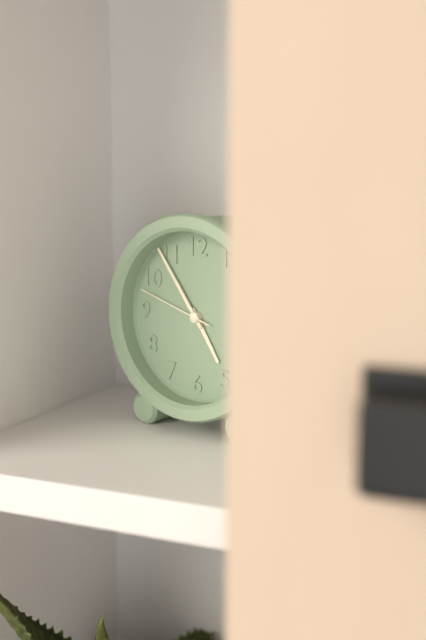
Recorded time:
4 h 54 min 48 s
